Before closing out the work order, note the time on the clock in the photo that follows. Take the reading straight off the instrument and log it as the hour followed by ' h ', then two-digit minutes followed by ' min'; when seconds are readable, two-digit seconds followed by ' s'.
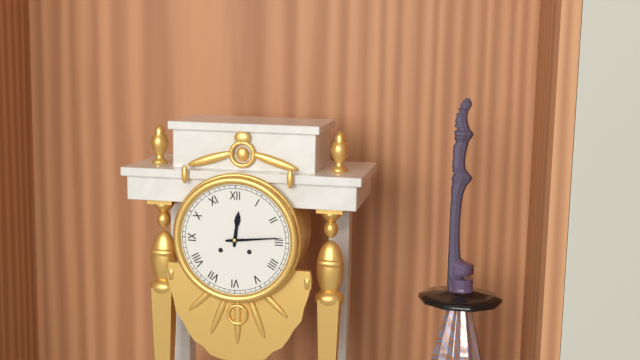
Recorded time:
12 h 14 min
